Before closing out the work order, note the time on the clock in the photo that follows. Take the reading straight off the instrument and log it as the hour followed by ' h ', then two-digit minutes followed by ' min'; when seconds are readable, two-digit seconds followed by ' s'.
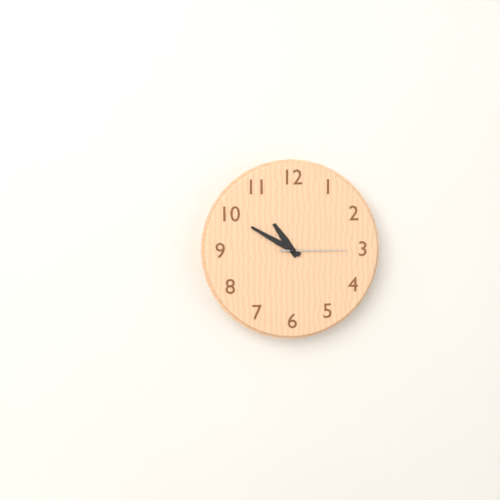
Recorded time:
10 h 50 min 15 s
